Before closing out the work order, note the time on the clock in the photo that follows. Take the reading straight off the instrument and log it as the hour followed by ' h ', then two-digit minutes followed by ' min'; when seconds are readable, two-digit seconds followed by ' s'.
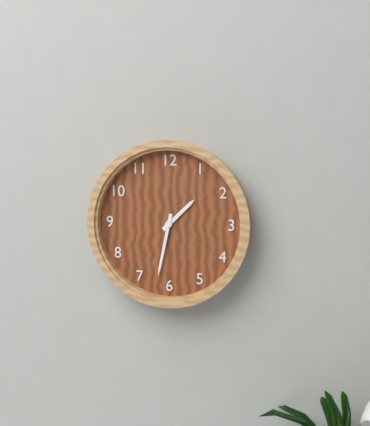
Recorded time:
1 h 32 min
